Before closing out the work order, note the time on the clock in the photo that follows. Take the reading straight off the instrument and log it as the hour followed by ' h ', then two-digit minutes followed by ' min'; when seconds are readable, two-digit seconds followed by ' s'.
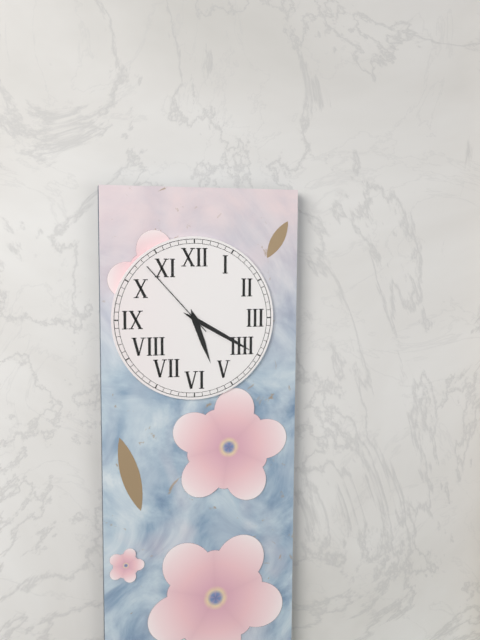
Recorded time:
5 h 20 min 53 s
